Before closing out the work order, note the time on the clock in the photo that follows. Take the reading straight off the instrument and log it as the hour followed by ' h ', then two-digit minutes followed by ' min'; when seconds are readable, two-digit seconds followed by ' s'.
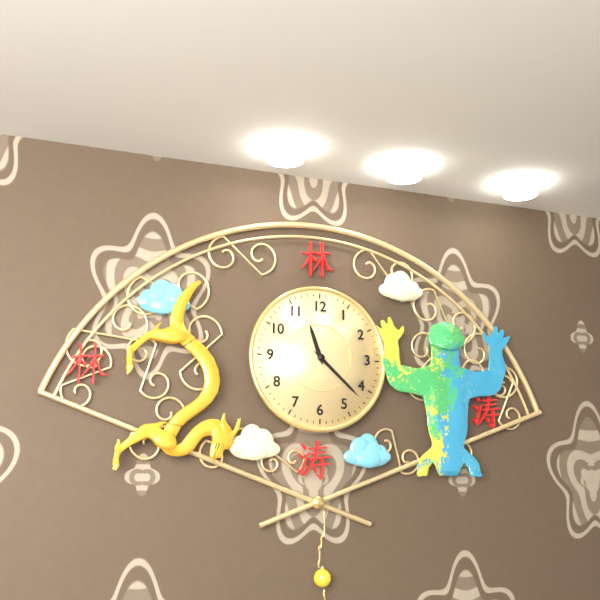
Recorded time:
11 h 22 min
